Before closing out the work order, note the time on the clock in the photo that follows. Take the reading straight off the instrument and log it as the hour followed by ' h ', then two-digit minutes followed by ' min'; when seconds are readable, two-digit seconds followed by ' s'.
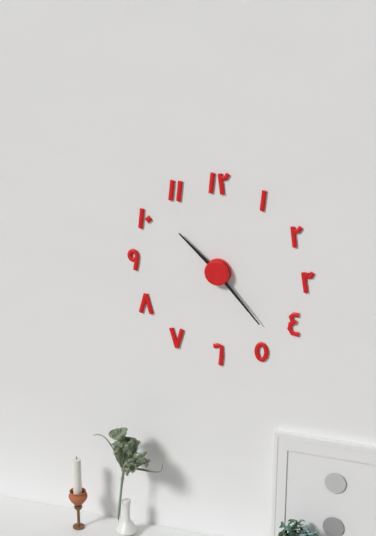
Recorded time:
10 h 23 min
